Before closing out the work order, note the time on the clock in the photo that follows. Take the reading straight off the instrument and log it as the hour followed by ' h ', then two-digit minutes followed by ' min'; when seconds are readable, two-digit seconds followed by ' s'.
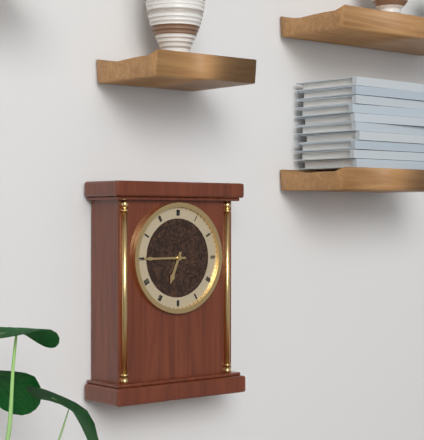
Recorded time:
6 h 45 min
